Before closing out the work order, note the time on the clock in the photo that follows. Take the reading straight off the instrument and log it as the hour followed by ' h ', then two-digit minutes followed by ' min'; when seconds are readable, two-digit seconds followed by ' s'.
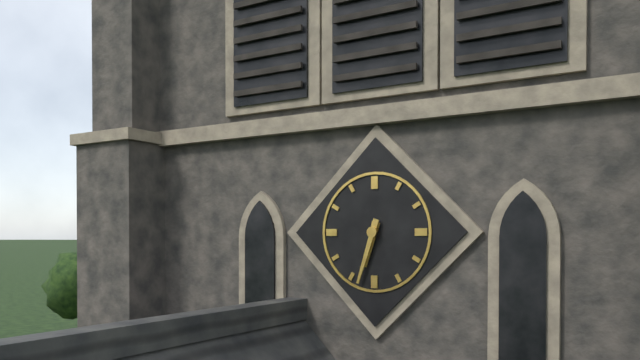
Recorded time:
6 h 33 min
